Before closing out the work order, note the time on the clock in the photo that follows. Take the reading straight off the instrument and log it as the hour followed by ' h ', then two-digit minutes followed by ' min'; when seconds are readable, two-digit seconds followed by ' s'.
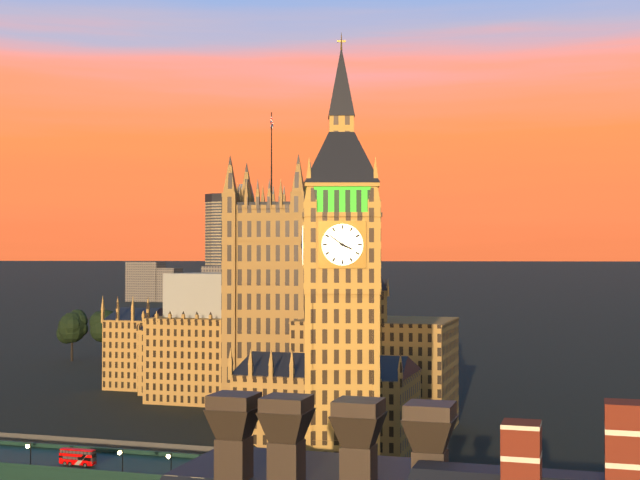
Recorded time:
3 h 51 min
